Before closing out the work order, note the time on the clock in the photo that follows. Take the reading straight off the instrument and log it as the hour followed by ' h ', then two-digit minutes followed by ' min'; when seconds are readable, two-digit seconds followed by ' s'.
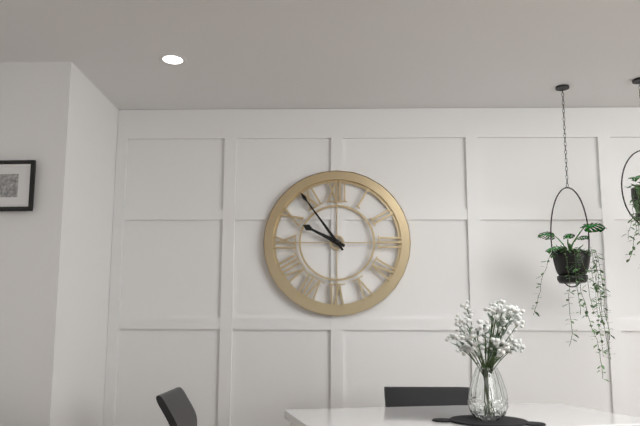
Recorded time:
9 h 54 min
